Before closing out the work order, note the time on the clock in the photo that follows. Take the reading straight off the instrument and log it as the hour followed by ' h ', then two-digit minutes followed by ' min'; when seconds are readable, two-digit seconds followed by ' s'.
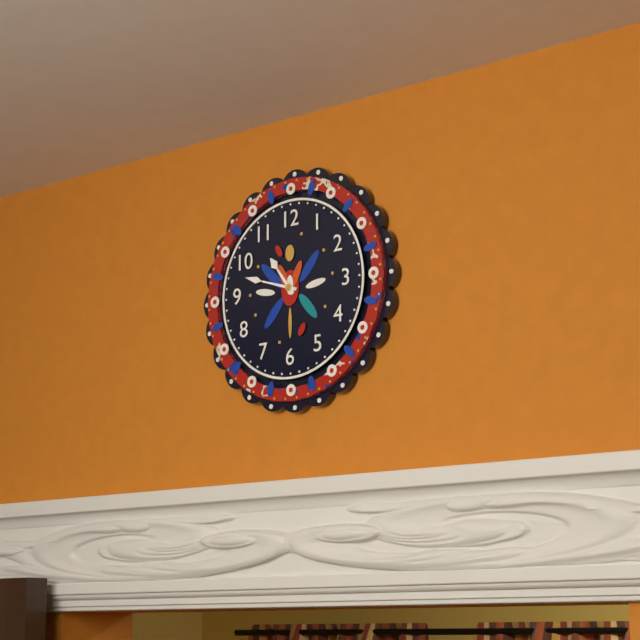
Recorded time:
10 h 48 min
